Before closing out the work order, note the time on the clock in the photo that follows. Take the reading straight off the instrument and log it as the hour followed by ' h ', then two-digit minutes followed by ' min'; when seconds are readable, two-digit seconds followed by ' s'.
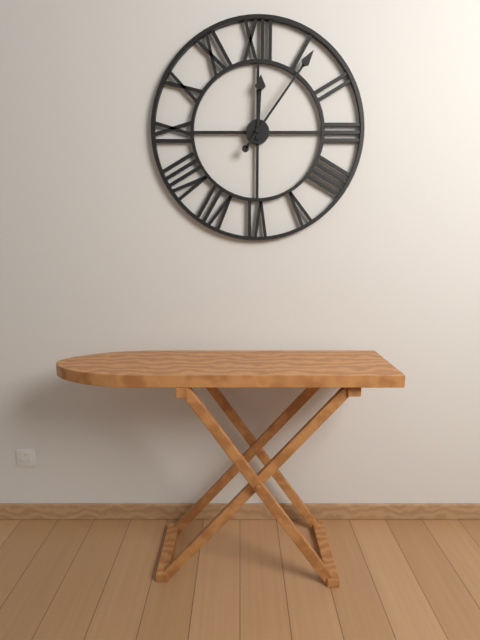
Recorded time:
12 h 06 min
